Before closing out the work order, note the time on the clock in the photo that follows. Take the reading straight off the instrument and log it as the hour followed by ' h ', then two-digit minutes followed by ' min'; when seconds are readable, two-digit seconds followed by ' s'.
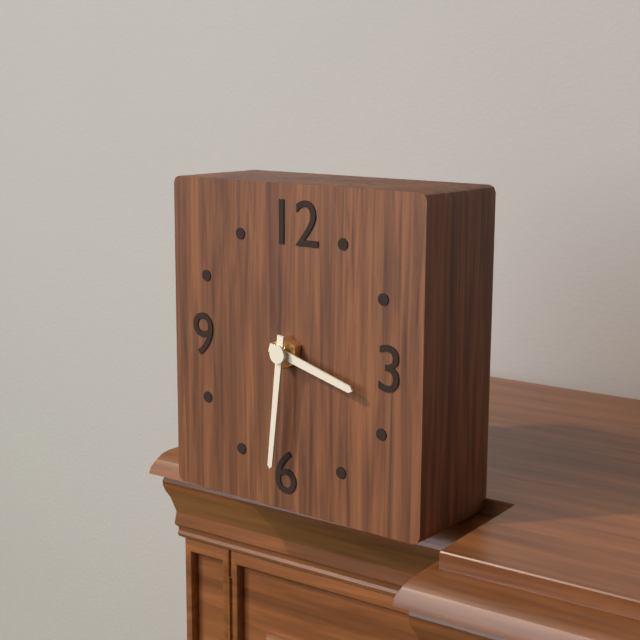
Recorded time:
3 h 31 min
